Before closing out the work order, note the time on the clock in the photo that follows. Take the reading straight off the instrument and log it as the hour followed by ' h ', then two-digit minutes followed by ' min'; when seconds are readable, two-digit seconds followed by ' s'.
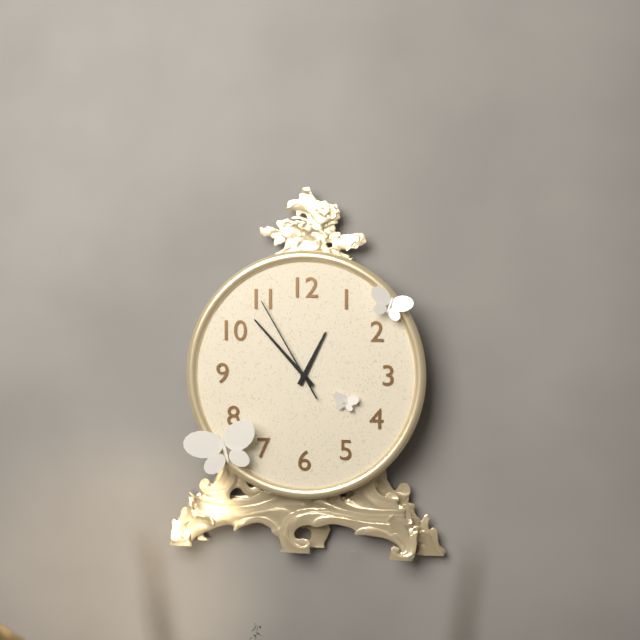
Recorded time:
12 h 53 min 55 s
